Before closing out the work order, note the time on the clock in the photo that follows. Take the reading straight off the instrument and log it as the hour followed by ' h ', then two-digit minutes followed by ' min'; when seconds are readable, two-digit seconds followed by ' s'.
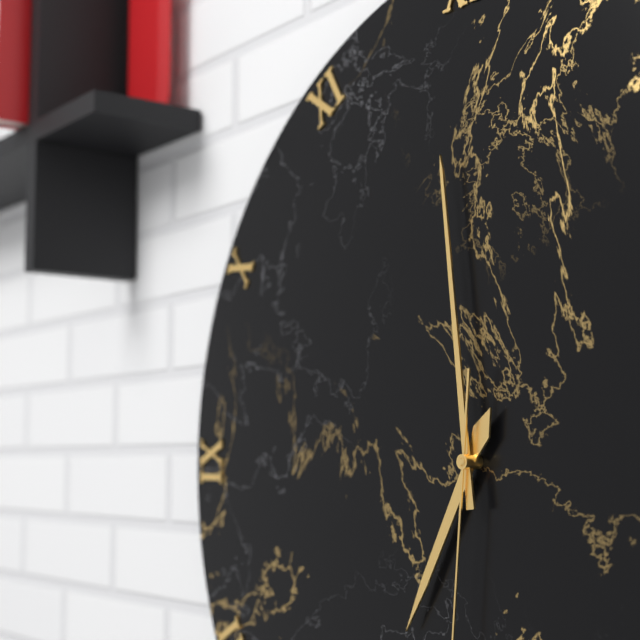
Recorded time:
6 h 59 min
